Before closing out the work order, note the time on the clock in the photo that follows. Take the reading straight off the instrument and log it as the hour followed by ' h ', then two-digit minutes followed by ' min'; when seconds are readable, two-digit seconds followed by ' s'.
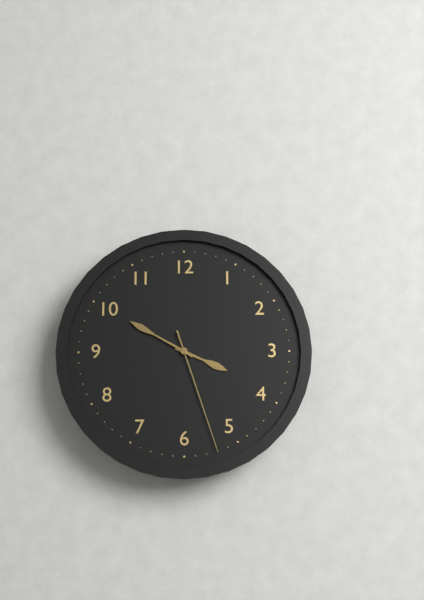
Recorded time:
3 h 50 min 27 s
